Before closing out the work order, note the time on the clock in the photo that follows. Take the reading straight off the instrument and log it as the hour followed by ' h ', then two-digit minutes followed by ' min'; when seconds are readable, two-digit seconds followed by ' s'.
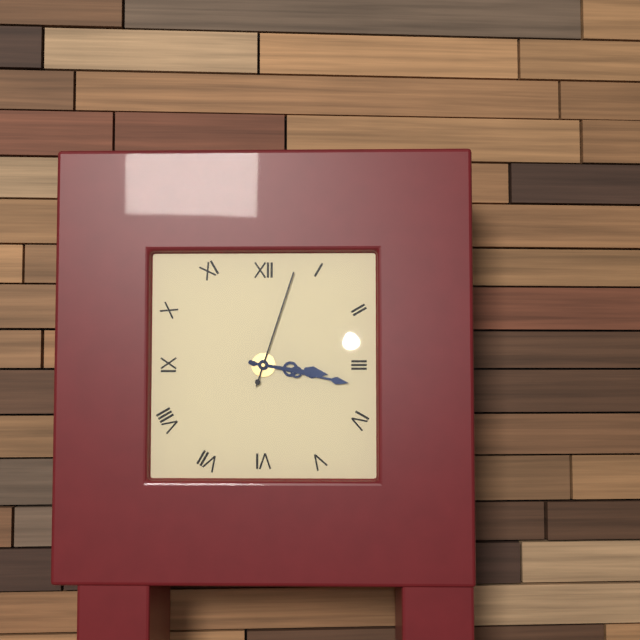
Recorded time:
3 h 17 min 03 s
